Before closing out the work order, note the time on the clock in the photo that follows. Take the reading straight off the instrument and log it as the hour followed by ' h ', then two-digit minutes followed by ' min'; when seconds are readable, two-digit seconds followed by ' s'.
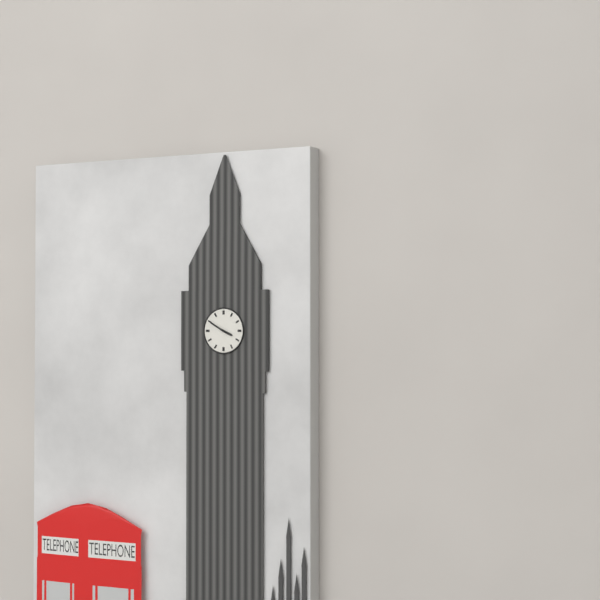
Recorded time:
3 h 50 min
